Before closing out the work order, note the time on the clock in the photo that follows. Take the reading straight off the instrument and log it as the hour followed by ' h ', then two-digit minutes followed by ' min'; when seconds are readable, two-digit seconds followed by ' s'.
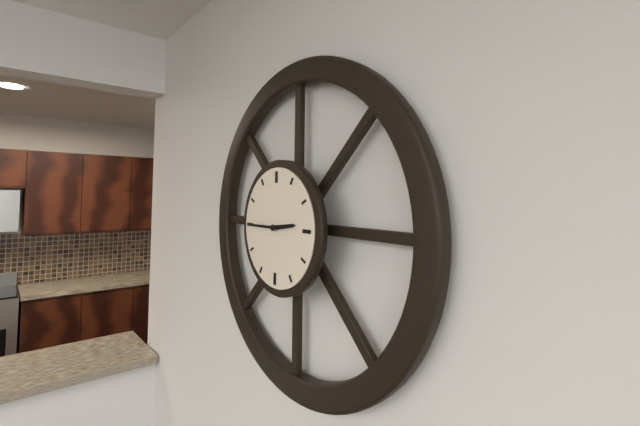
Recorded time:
2 h 45 min
